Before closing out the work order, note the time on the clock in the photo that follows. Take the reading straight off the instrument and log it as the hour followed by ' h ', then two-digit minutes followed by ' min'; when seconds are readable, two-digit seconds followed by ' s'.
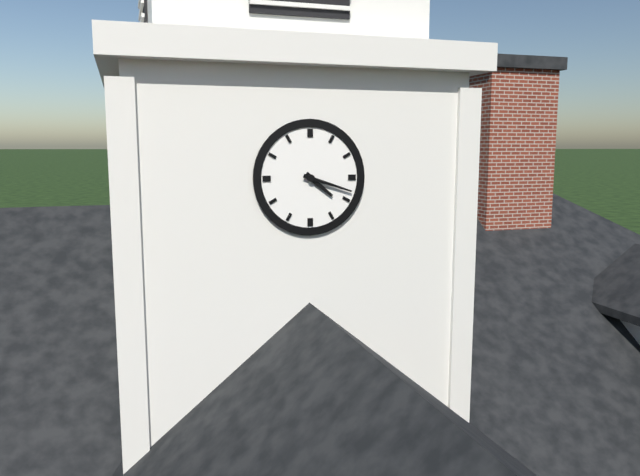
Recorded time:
4 h 18 min
